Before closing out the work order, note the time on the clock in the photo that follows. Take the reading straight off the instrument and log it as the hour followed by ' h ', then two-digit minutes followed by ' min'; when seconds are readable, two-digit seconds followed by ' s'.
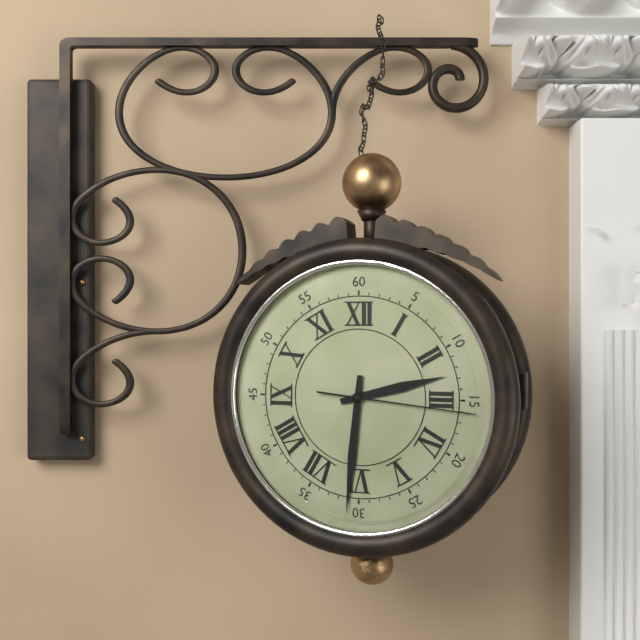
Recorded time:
2 h 31 min 16 s
